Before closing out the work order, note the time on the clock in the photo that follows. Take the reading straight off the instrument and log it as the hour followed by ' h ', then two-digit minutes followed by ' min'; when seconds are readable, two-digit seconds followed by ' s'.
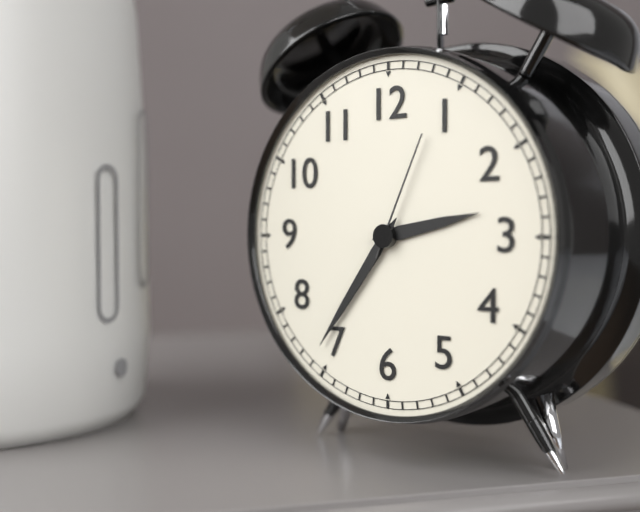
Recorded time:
2 h 36 min 04 s
